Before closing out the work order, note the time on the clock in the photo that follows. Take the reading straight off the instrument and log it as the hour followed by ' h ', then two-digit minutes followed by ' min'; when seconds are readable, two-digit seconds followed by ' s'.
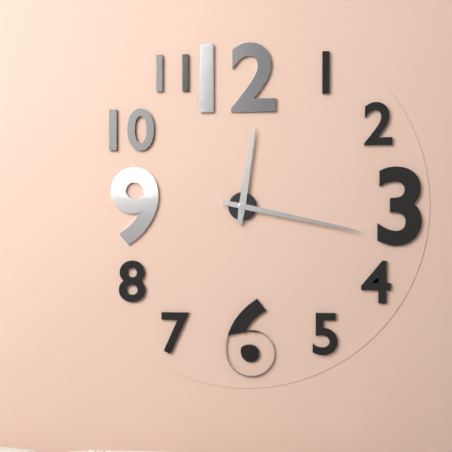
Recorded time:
12 h 17 min
